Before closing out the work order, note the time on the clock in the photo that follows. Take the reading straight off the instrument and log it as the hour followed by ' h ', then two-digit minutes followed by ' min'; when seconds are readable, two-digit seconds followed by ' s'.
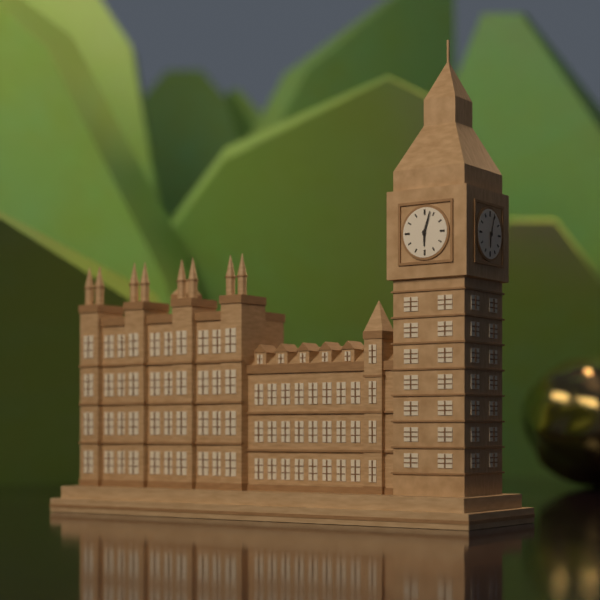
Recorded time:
6 h 03 min
